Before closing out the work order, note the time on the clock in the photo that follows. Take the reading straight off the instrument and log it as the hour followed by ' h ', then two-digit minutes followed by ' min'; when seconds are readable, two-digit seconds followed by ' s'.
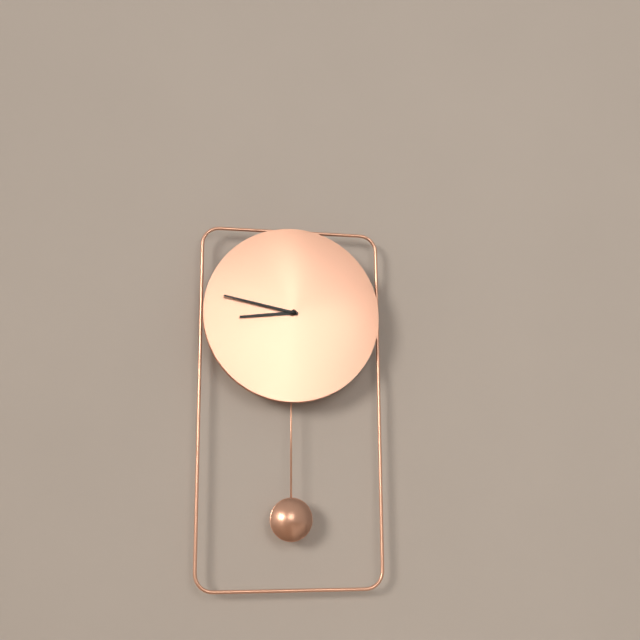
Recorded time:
8 h 47 min
